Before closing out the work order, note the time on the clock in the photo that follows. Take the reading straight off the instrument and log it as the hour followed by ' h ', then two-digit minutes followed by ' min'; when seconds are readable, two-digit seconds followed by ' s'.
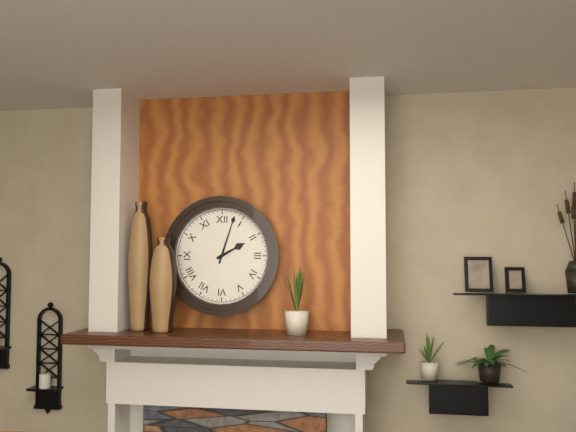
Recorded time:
2 h 03 min
